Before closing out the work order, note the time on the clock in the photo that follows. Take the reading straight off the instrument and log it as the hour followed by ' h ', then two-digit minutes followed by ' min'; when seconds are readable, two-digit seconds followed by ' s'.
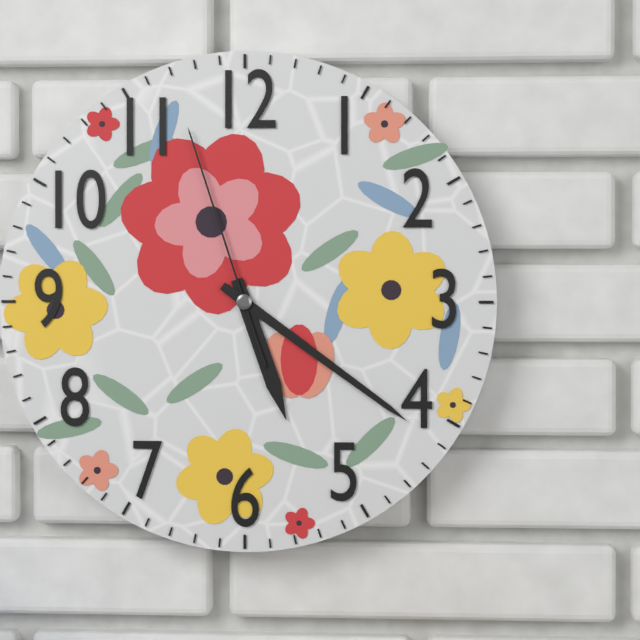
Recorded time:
5 h 21 min 57 s
